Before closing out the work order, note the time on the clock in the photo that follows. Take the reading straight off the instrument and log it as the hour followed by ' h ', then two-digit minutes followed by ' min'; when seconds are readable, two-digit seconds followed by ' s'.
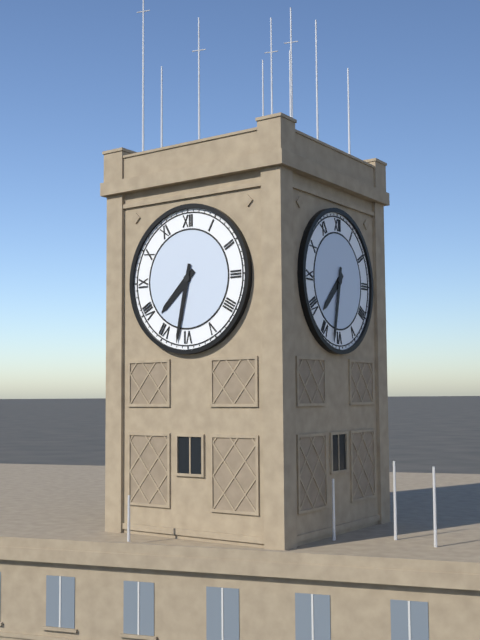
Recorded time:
7 h 32 min
